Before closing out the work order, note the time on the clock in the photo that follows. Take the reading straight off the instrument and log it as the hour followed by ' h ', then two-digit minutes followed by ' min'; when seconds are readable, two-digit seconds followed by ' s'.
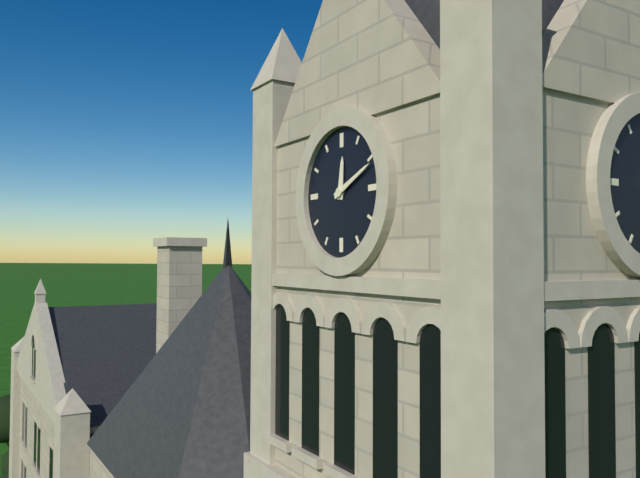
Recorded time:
12 h 11 min
